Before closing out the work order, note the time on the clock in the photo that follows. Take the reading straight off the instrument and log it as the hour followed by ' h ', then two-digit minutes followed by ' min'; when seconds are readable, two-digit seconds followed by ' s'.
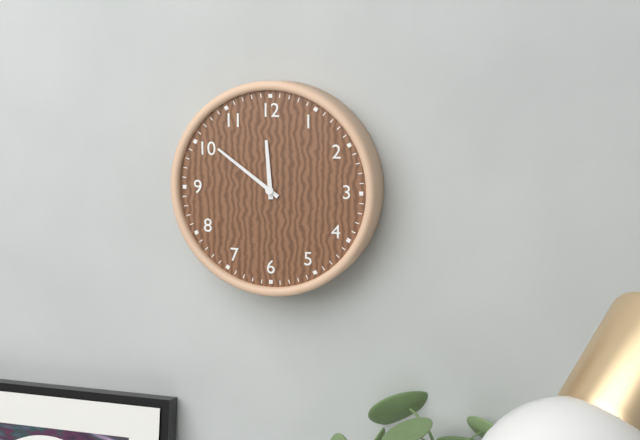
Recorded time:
11 h 51 min
